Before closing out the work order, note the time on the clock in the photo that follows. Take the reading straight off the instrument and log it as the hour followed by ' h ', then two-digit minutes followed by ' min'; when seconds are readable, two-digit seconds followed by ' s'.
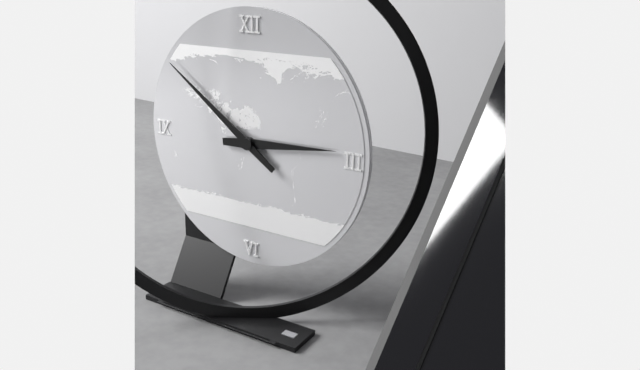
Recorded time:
2 h 51 min
